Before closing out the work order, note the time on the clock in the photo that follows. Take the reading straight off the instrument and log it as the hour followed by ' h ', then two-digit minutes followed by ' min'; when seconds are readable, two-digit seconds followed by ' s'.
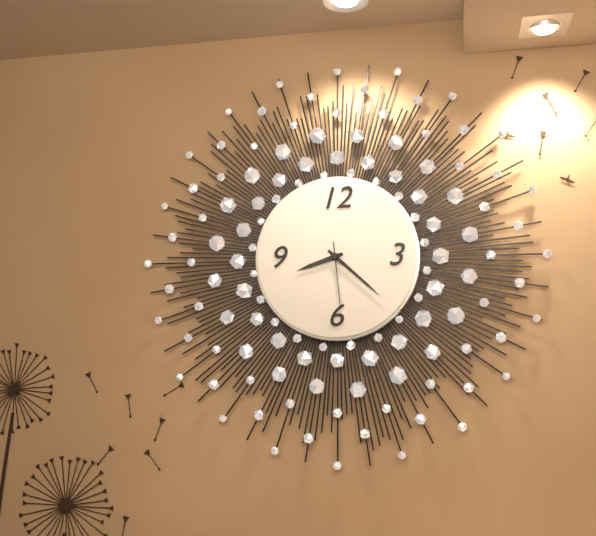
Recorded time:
8 h 22 min 29 s
